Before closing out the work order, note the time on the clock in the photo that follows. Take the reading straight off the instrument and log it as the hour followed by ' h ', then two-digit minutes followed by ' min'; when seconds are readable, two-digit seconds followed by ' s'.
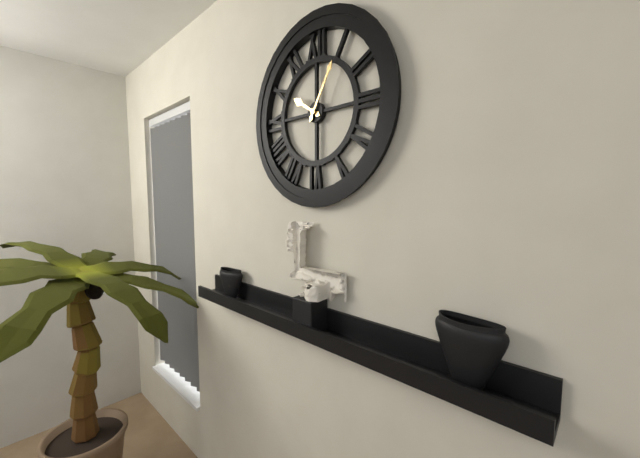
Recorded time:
10 h 05 min
